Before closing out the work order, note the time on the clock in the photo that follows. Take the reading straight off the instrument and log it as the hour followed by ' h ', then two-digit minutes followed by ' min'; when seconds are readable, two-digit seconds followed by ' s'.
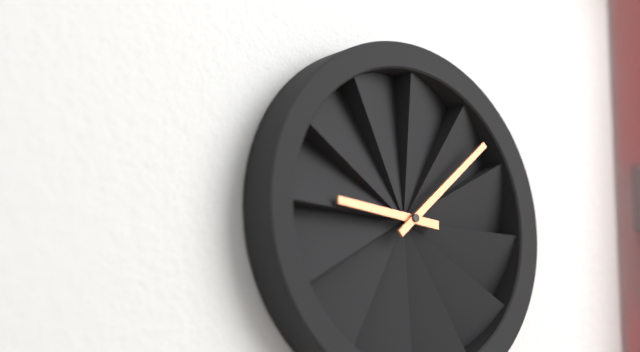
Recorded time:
9 h 08 min
